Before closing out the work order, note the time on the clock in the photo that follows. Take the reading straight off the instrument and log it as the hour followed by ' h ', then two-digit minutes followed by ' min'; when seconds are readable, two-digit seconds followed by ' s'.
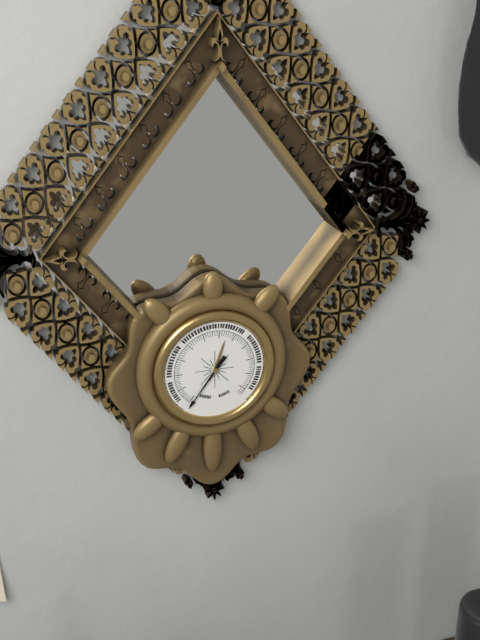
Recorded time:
12 h 36 min
